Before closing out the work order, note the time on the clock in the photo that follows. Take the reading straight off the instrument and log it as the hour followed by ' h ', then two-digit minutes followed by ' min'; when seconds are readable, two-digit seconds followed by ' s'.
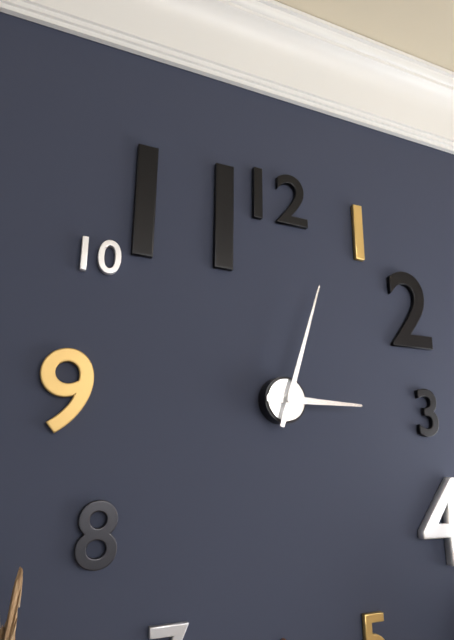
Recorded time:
3 h 03 min
